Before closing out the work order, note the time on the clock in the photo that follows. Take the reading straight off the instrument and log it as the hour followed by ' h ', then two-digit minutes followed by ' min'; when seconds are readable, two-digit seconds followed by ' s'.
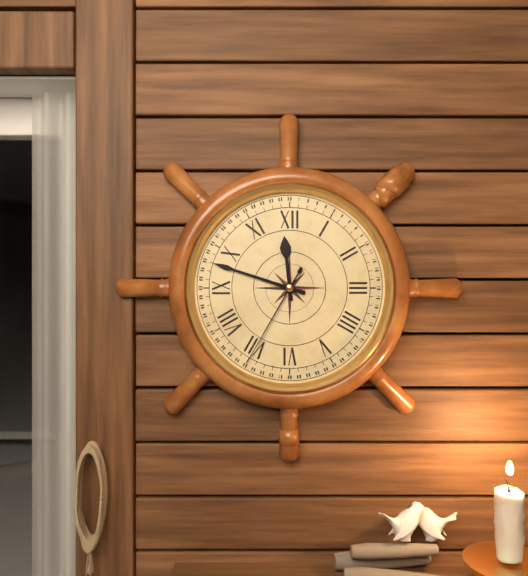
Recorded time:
11 h 48 min 35 s
